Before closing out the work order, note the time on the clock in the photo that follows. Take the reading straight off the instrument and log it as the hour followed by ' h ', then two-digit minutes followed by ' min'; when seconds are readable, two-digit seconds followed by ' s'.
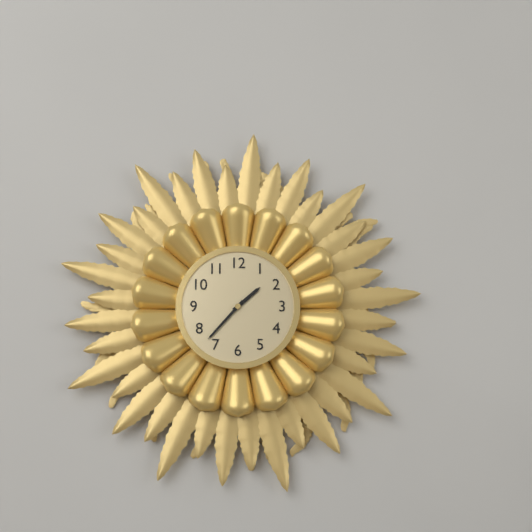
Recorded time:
1 h 37 min
